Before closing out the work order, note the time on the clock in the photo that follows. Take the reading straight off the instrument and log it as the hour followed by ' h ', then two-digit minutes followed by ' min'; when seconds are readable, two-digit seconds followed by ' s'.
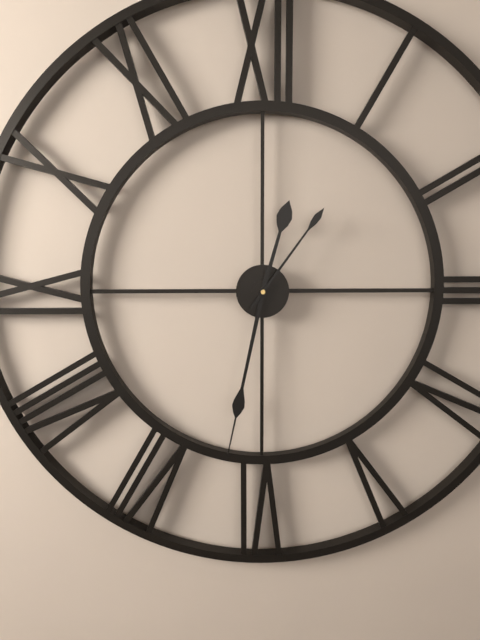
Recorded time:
12 h 32 min 06 s
